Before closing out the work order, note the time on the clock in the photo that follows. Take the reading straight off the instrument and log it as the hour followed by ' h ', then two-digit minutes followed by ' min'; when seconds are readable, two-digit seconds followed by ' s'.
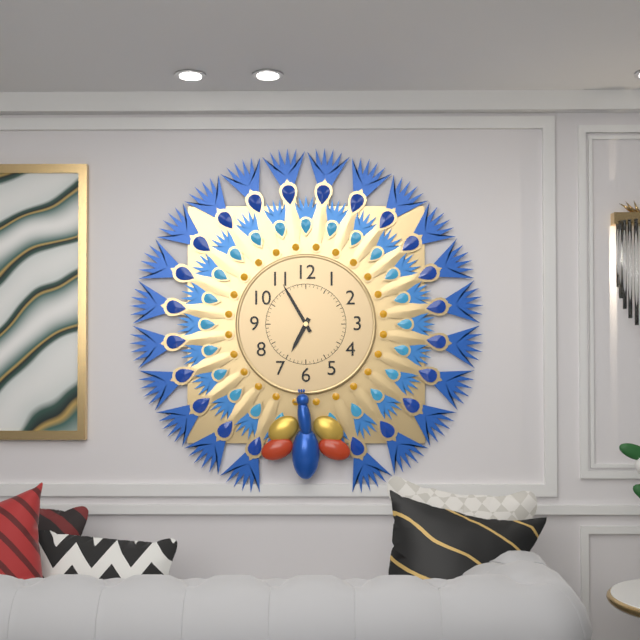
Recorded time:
6 h 55 min
